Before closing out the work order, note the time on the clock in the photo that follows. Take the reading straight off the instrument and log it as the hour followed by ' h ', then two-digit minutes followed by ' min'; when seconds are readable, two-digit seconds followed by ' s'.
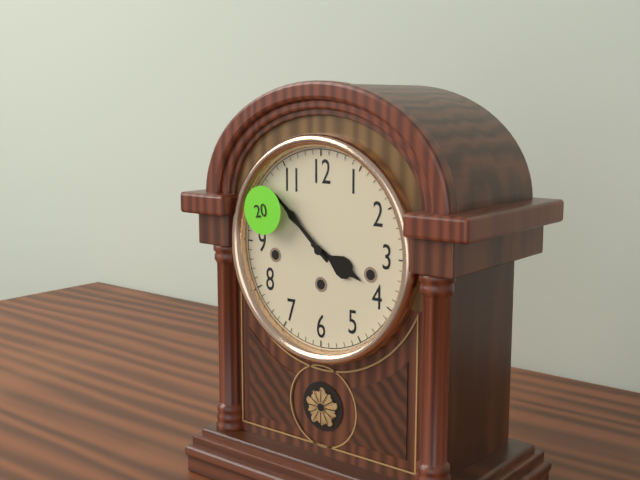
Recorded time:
3 h 52 min
